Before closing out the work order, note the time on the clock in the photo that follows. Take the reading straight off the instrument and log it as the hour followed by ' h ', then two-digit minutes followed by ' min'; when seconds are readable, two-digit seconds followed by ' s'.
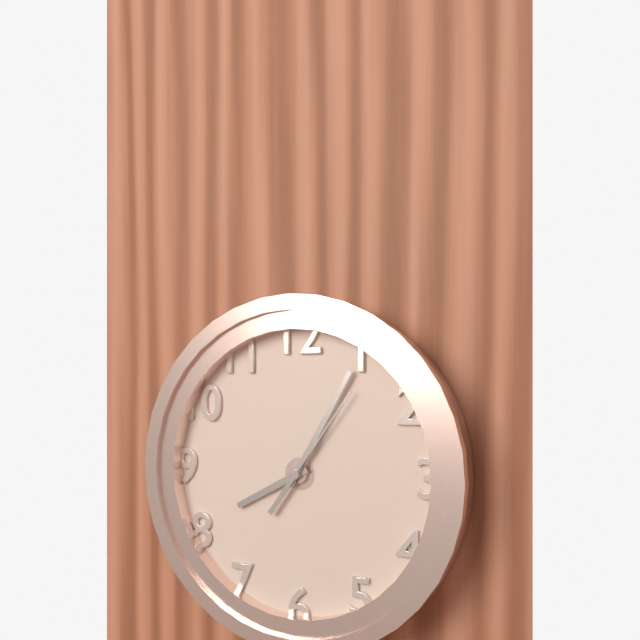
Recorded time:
8 h 05 min 06 s
